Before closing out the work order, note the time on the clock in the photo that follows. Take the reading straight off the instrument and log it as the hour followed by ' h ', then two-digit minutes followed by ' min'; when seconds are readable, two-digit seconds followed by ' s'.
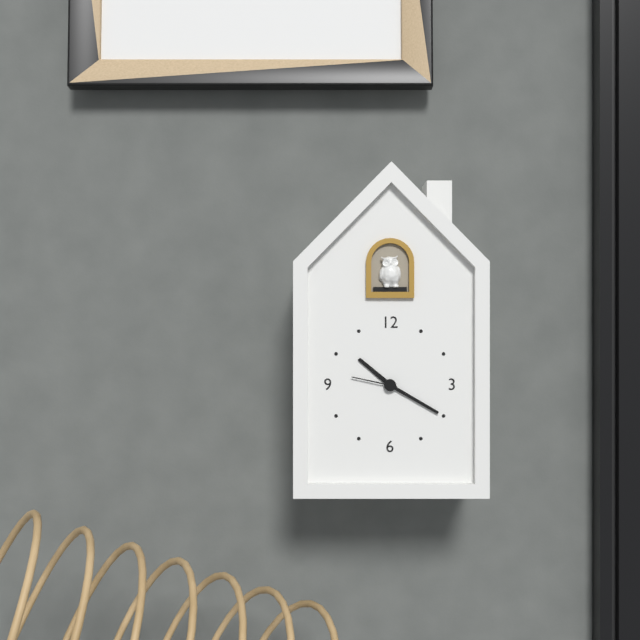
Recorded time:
10 h 20 min
